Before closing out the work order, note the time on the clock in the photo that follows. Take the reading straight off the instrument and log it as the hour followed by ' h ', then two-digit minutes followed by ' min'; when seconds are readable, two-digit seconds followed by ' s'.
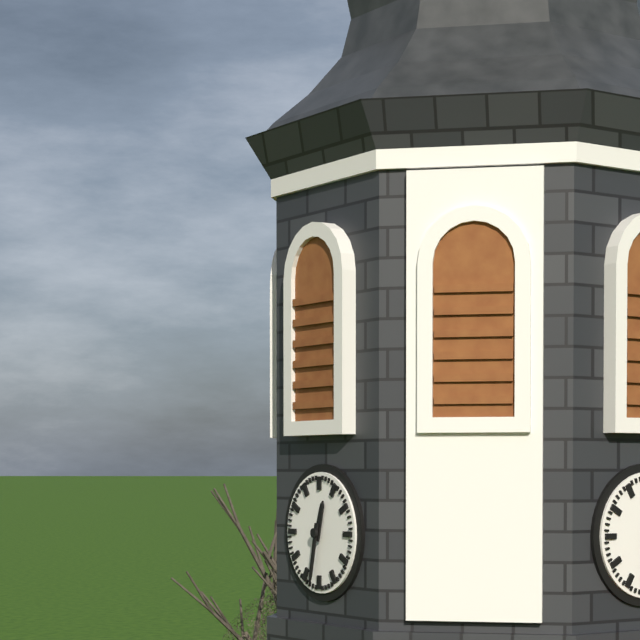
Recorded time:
12 h 32 min
